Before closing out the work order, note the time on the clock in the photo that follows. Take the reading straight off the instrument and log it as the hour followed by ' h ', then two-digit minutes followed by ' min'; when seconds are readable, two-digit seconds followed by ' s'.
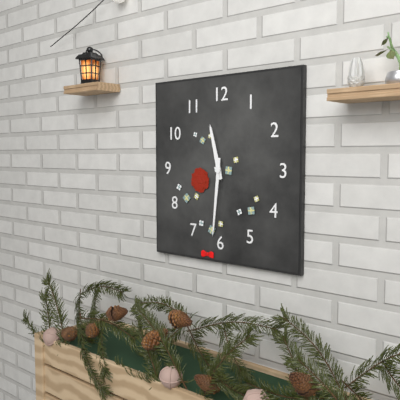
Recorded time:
11 h 31 min
